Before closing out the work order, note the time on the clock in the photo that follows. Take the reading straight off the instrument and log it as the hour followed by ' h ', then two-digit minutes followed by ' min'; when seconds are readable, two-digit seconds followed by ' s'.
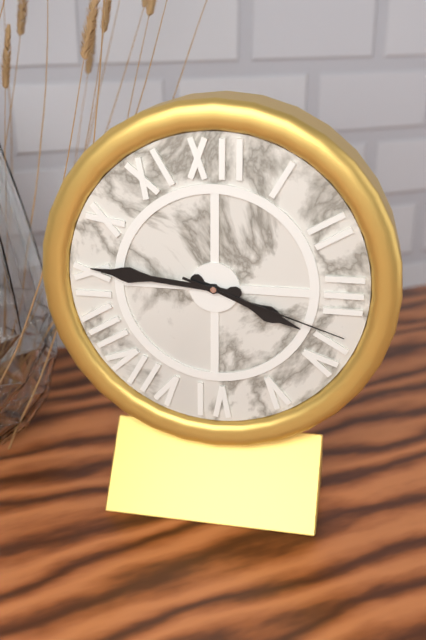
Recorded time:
3 h 46 min 18 s
